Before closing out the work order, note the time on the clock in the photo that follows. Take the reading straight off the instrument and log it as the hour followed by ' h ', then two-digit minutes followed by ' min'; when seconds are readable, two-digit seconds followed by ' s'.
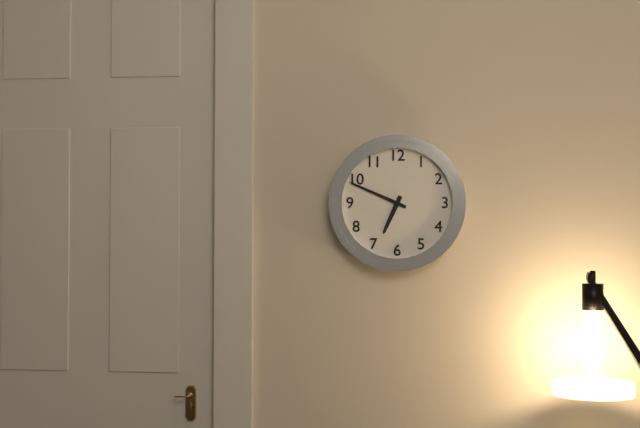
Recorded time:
6 h 49 min
